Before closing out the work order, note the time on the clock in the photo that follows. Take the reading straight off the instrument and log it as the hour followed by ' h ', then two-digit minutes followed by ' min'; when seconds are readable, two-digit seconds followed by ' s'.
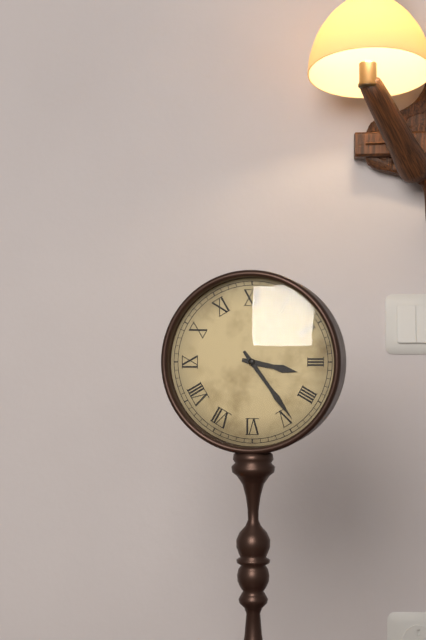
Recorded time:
3 h 24 min
